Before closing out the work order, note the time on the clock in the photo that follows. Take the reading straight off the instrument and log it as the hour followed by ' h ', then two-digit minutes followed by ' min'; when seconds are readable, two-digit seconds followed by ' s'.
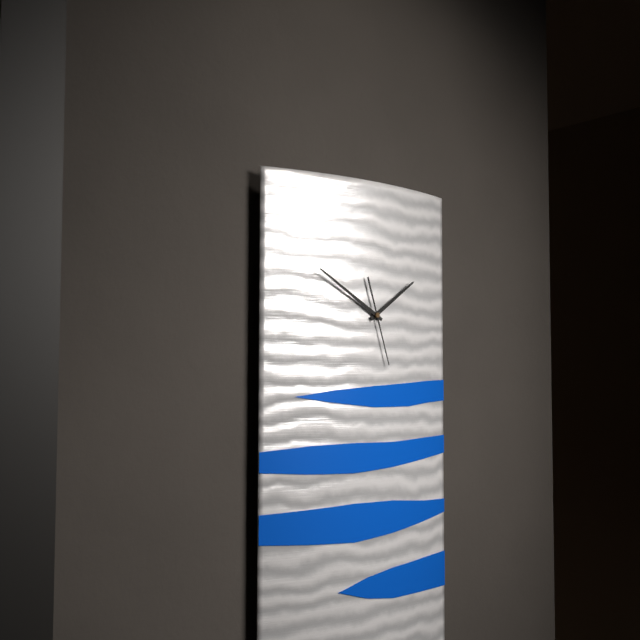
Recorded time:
1 h 50 min 27 s
